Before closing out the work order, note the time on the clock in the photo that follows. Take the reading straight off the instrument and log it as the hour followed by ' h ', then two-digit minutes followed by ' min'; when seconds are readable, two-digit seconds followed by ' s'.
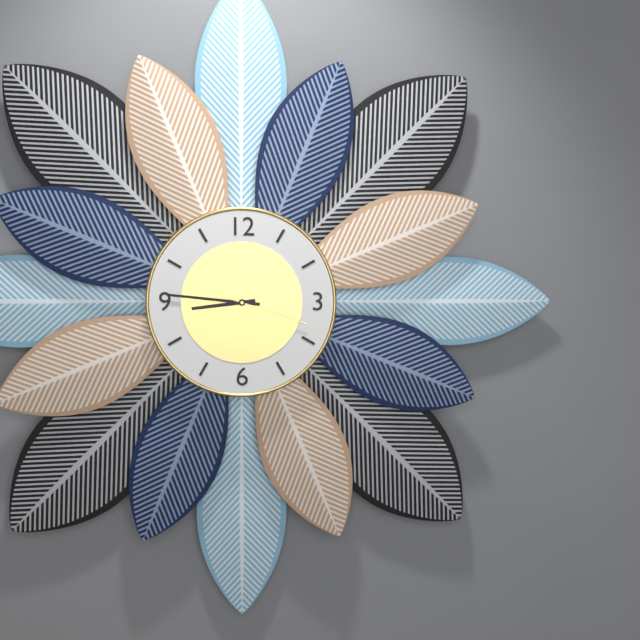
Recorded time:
8 h 46 min 18 s
